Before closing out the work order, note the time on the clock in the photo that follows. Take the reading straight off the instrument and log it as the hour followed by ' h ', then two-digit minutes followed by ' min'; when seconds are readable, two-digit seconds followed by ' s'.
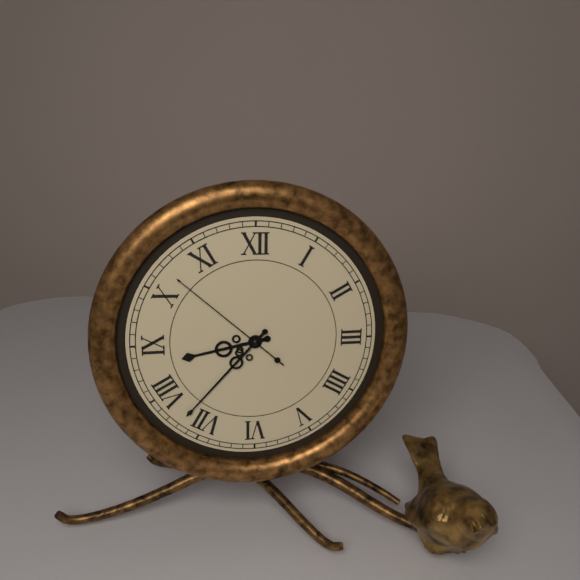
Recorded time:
8 h 37 min 52 s
